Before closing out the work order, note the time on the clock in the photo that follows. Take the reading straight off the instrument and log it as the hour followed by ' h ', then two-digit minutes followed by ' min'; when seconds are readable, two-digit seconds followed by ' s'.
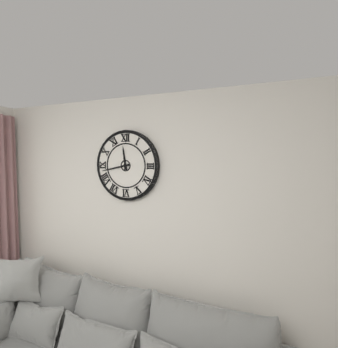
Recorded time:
11 h 43 min
